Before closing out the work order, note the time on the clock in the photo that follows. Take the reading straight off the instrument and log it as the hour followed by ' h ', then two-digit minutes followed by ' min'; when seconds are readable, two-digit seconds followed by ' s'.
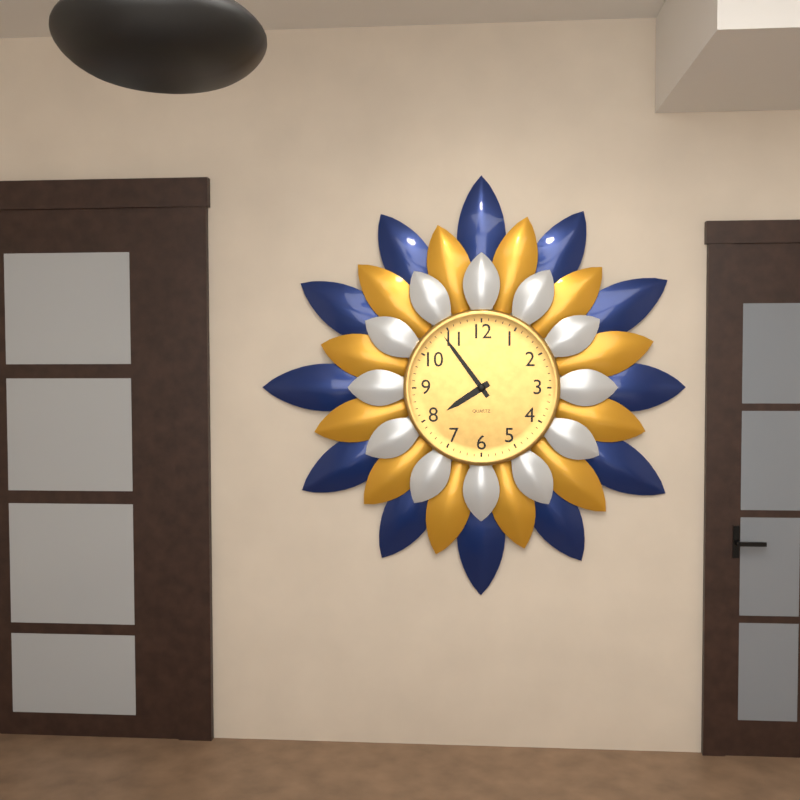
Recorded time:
7 h 54 min
